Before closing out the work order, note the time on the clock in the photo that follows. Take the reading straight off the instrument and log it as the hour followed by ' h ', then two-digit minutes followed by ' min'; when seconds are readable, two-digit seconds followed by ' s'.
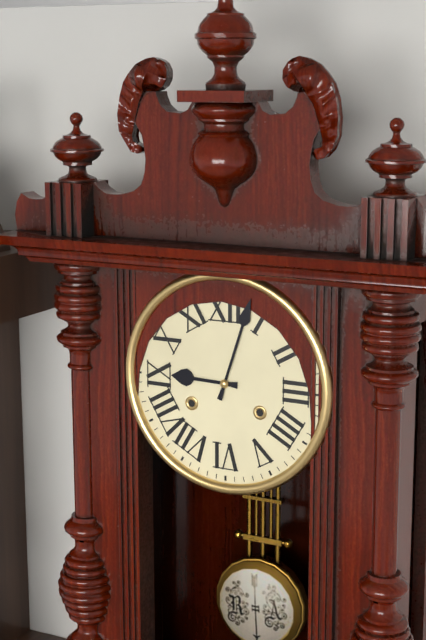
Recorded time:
9 h 03 min
